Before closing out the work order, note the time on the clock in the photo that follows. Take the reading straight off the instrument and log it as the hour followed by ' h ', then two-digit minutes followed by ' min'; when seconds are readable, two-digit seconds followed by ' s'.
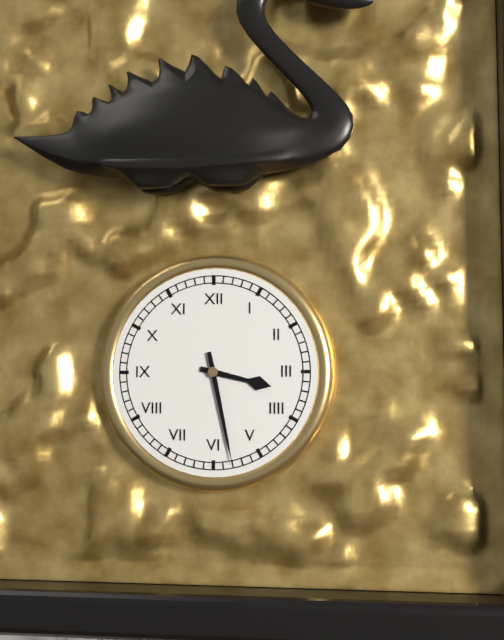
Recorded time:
3 h 28 min
